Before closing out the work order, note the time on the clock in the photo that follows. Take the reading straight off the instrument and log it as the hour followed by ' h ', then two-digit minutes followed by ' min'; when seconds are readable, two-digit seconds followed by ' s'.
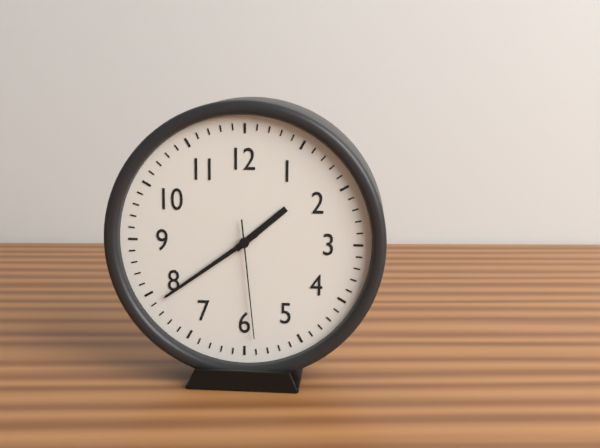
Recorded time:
1 h 39 min 29 s
